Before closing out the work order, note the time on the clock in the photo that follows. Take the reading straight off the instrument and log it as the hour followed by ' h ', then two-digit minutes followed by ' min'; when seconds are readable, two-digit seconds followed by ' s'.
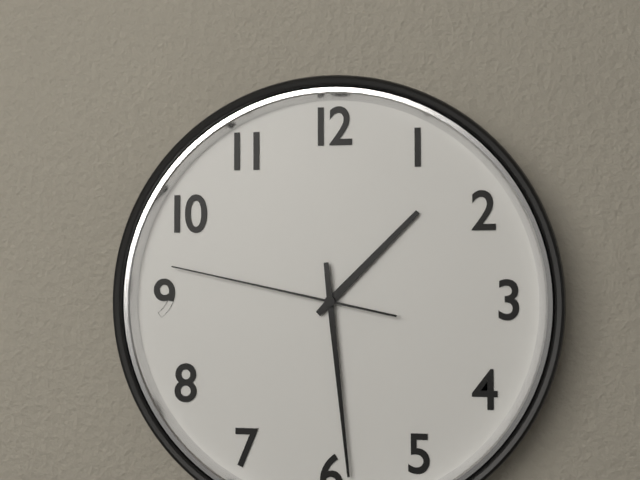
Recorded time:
1 h 29 min 47 s
